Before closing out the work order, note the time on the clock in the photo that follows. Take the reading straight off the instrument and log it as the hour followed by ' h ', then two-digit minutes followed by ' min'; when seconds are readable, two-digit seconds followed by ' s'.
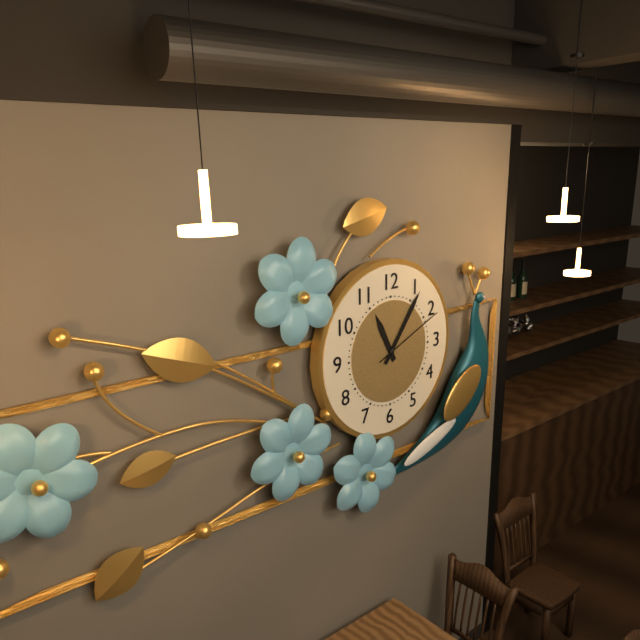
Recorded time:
11 h 06 min 11 s
